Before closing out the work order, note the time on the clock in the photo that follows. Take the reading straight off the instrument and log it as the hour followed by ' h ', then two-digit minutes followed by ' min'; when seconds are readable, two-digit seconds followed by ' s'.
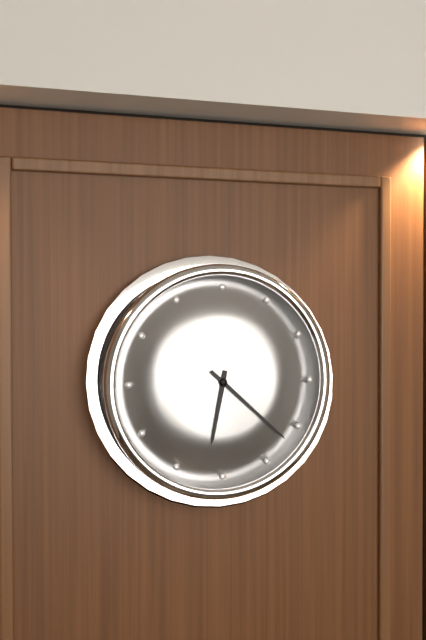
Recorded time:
6 h 22 min
